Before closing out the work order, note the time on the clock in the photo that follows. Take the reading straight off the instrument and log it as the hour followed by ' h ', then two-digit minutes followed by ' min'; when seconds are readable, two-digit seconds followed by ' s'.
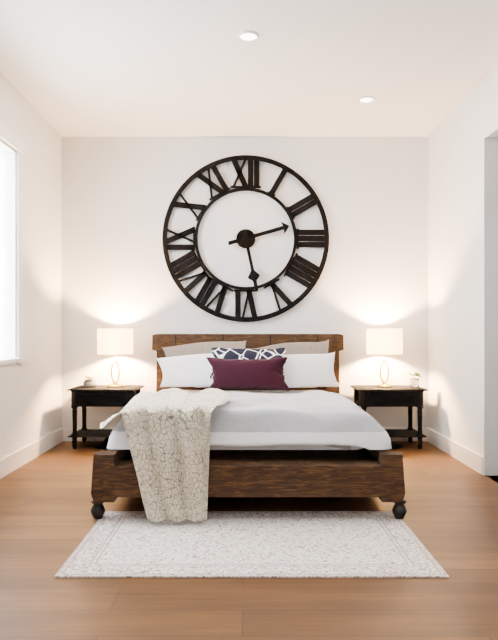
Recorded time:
2 h 28 min
